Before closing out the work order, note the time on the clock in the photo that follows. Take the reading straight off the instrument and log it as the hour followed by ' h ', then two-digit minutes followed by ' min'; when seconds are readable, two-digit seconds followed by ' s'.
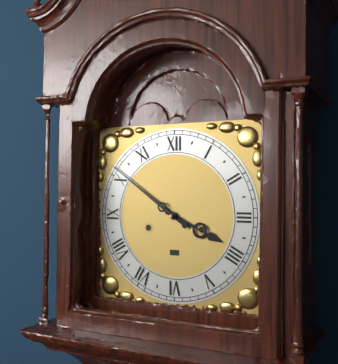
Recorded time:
3 h 51 min
